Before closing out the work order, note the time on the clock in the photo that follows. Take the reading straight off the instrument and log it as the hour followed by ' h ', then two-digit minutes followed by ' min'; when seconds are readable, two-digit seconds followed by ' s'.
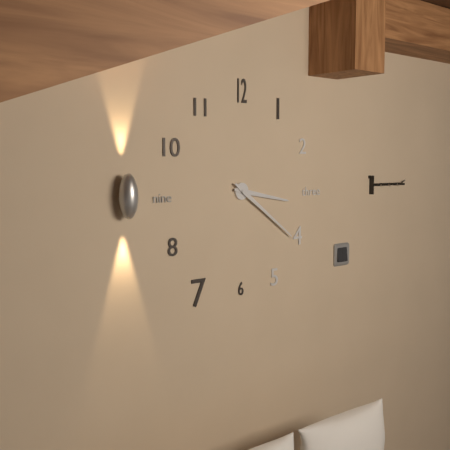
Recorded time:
3 h 21 min
